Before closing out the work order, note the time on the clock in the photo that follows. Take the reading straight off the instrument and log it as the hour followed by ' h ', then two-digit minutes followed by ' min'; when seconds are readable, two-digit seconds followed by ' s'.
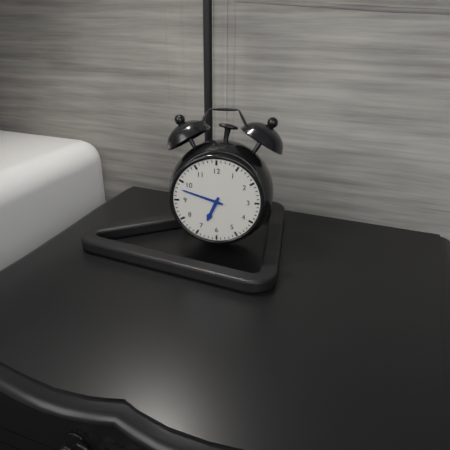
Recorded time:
6 h 48 min
